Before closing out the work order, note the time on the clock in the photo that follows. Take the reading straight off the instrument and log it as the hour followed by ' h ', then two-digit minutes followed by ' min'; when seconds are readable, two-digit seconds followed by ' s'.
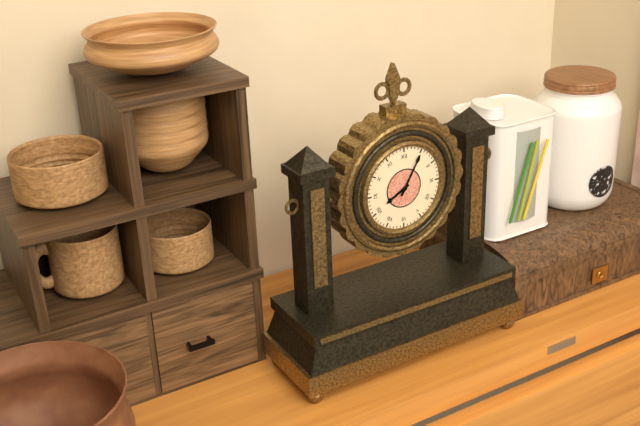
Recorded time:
8 h 05 min
